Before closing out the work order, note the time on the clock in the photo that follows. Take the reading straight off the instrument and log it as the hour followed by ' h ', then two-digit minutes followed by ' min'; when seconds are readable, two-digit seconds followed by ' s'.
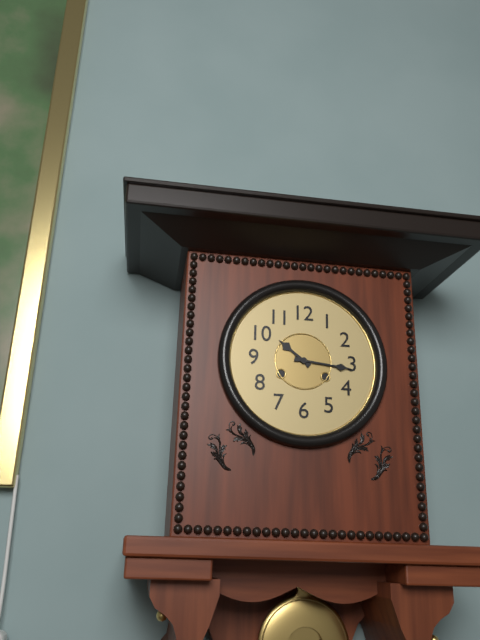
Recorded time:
10 h 16 min
